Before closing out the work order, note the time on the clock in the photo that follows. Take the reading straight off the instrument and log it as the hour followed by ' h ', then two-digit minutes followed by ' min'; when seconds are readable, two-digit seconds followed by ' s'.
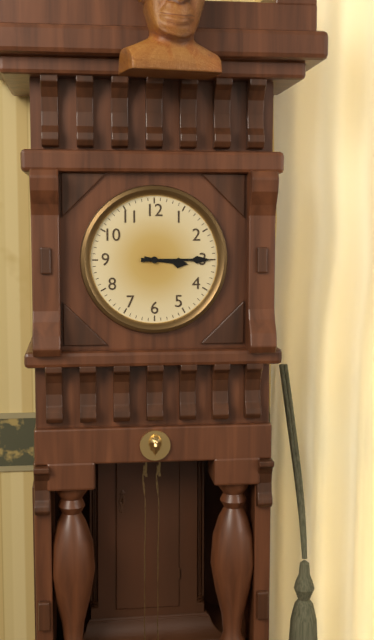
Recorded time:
3 h 15 min
